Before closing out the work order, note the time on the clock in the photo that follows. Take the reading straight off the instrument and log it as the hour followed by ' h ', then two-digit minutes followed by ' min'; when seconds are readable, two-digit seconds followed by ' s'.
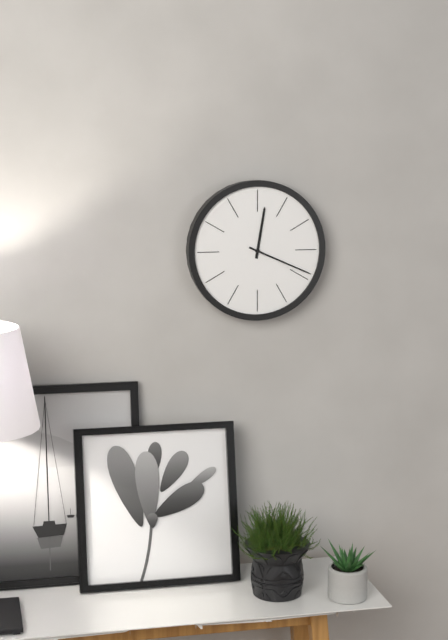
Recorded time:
12 h 19 min
